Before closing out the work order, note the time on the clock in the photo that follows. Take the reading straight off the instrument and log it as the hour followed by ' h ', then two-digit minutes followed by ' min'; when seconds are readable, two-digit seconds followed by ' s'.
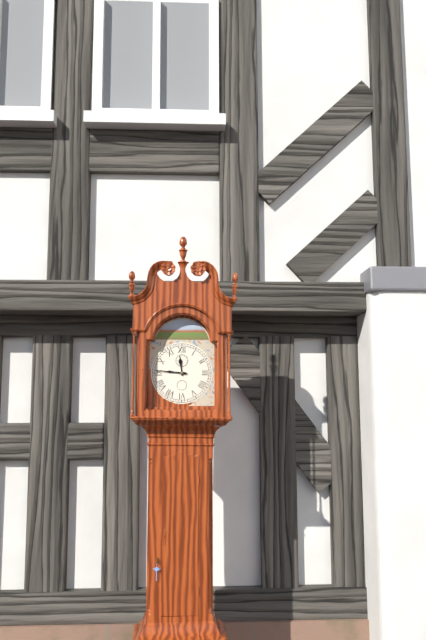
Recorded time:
11 h 46 min
